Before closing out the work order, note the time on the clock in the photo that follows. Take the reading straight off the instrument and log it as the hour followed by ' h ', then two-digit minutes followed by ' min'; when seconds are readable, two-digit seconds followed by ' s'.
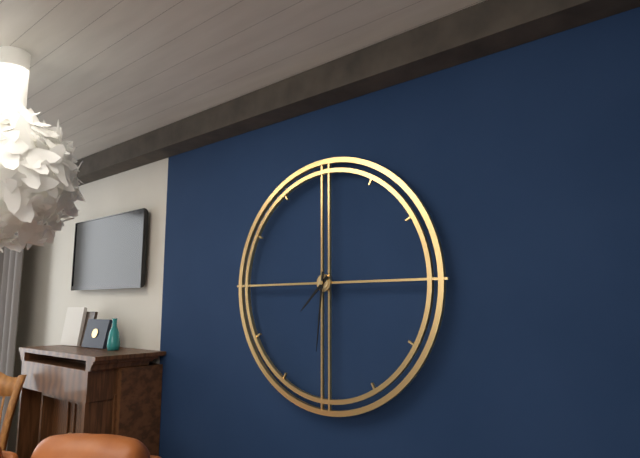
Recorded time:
7 h 31 min
